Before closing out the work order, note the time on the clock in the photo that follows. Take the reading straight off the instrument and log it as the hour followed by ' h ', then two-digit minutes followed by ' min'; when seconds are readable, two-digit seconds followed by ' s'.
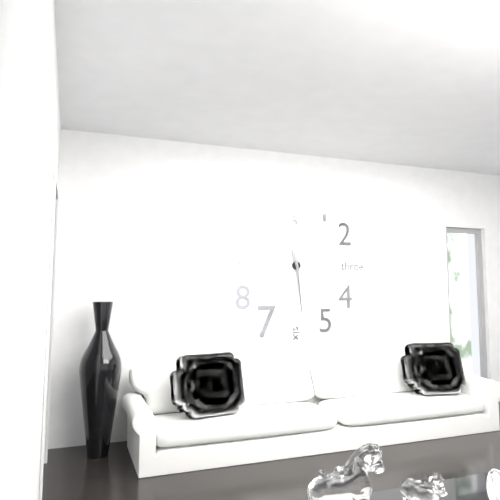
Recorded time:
11 h 29 min
